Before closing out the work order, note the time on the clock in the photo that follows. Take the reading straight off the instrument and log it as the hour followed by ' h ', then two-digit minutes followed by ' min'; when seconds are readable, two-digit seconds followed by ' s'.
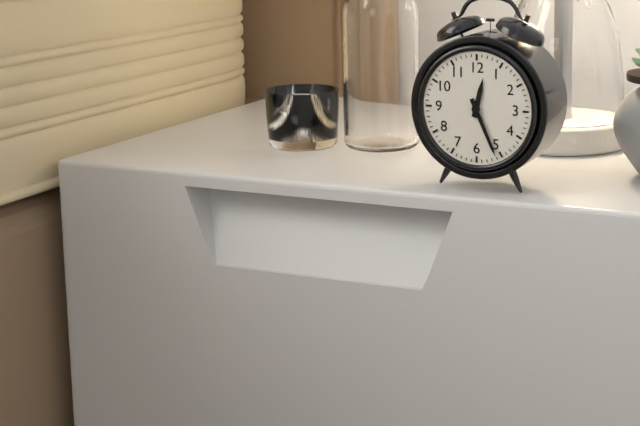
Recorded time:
12 h 26 min
